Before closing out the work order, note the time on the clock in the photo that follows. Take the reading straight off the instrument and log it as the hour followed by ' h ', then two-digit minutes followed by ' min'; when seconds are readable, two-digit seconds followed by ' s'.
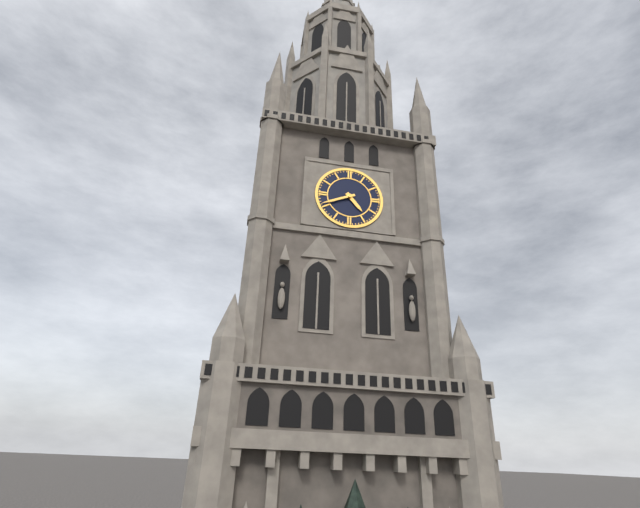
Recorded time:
4 h 41 min
